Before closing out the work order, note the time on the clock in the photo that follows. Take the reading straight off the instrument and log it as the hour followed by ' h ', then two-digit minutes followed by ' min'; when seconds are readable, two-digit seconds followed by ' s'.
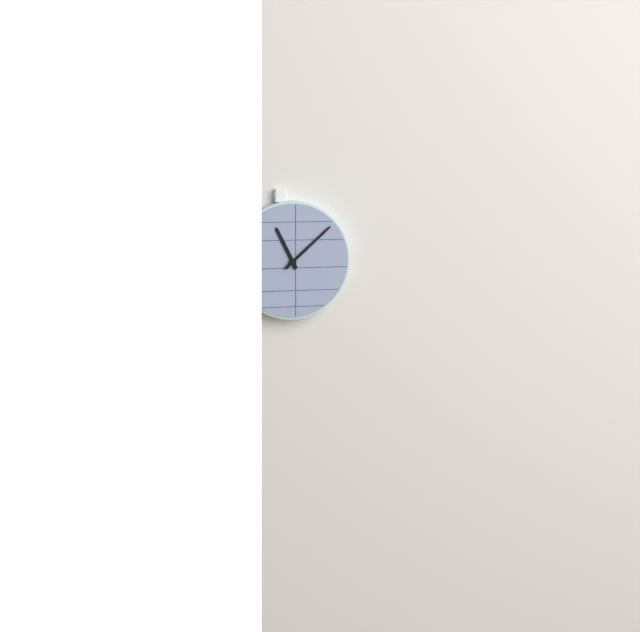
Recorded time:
11 h 08 min
